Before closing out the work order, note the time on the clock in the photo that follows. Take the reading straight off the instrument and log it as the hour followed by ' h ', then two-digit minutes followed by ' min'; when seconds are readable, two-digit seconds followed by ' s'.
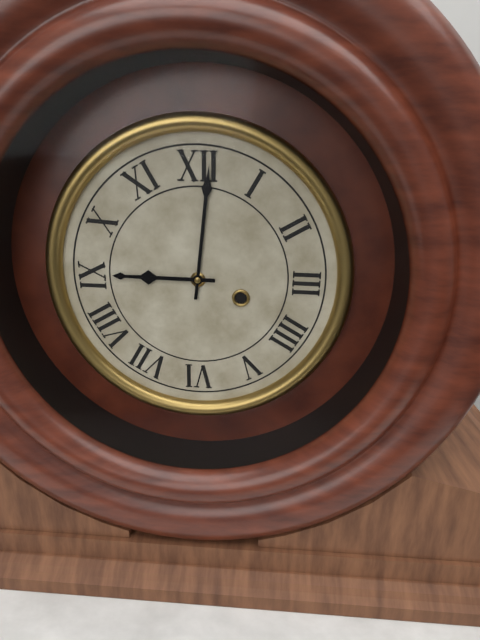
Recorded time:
9 h 01 min
